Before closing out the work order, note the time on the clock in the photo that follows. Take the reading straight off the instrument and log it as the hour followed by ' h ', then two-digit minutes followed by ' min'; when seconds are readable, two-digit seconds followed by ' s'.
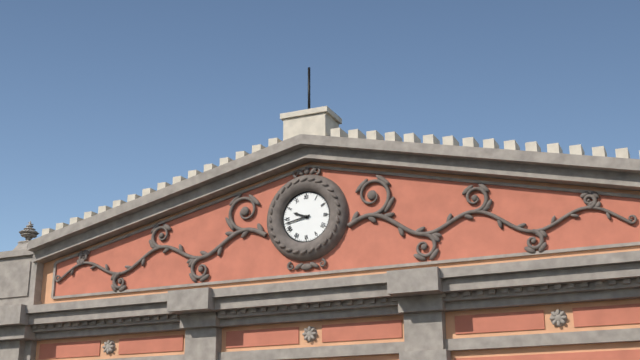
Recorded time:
9 h 43 min
